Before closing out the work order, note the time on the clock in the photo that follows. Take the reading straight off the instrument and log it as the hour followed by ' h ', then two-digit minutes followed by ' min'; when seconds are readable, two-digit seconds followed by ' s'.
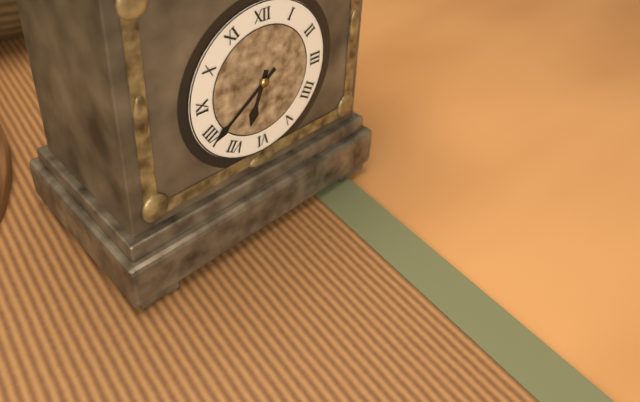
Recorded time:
6 h 39 min
